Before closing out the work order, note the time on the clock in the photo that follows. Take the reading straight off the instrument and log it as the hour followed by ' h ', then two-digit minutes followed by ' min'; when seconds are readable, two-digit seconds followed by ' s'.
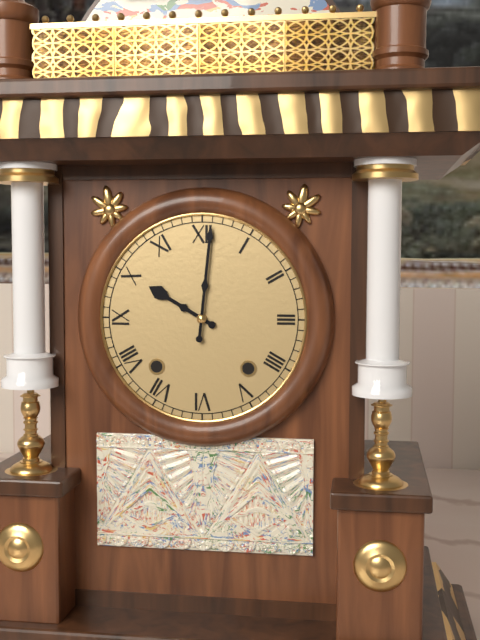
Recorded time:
10 h 01 min
